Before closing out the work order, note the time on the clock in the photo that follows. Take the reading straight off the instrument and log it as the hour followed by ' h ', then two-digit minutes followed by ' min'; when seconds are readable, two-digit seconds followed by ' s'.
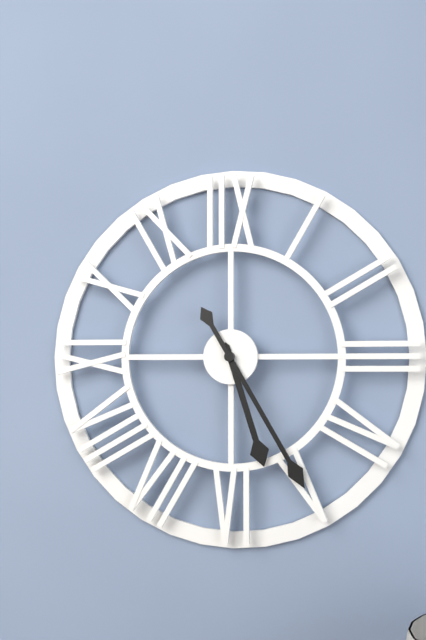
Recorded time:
5 h 25 min
